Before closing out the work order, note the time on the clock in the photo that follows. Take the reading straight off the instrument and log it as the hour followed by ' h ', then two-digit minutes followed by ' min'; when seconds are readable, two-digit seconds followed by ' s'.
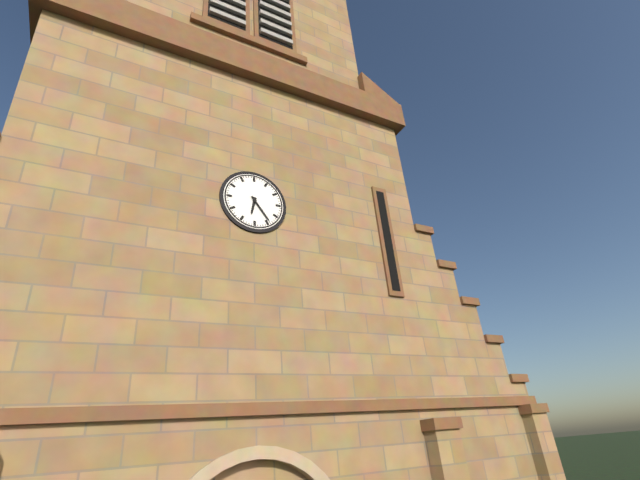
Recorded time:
6 h 24 min
